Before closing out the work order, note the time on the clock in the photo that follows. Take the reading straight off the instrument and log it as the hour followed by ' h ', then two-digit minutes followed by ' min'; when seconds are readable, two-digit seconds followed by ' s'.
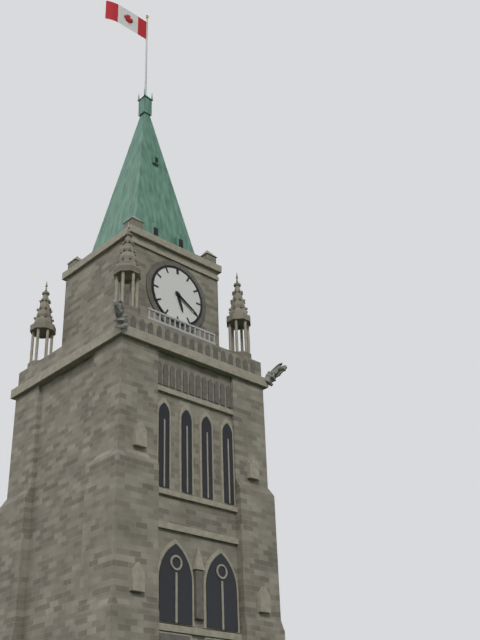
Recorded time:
5 h 20 min
